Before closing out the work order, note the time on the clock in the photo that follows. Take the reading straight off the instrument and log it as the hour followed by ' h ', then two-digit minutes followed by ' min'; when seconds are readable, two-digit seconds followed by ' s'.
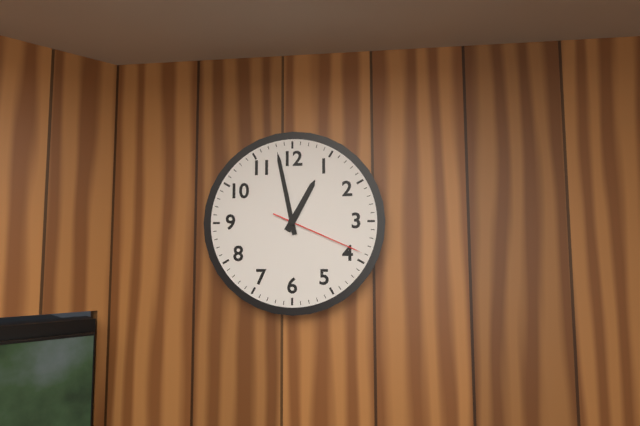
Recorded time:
12 h 58 min 19 s
